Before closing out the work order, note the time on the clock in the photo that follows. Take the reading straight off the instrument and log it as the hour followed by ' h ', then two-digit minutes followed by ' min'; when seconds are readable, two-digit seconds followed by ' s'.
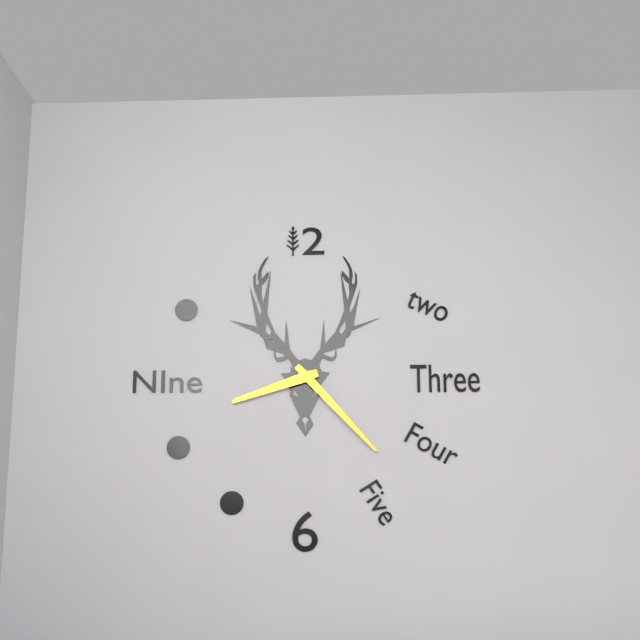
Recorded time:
8 h 23 min
